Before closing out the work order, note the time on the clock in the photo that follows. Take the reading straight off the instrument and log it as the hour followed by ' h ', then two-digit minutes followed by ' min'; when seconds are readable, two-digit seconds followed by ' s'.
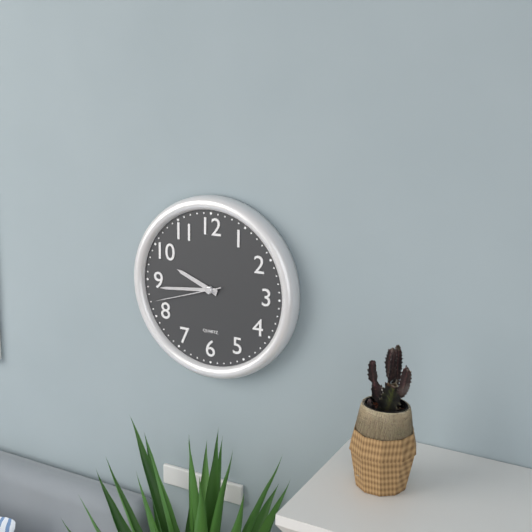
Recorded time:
9 h 44 min 42 s
